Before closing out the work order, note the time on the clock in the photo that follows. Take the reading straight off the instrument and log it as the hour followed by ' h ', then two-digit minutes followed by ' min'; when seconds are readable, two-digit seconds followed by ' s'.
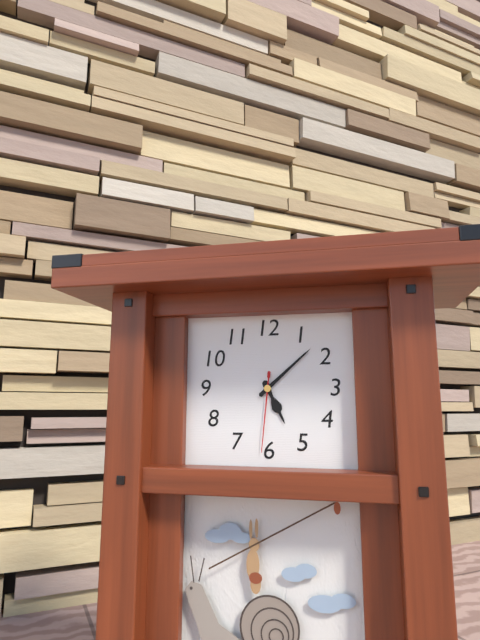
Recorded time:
5 h 08 min 31 s
